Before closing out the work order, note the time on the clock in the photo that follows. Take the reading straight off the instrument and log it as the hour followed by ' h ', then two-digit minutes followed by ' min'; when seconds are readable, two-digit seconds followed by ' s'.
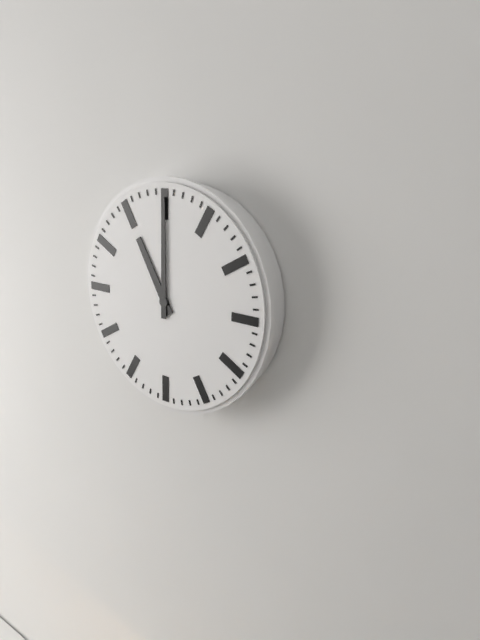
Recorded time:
11 h 00 min
